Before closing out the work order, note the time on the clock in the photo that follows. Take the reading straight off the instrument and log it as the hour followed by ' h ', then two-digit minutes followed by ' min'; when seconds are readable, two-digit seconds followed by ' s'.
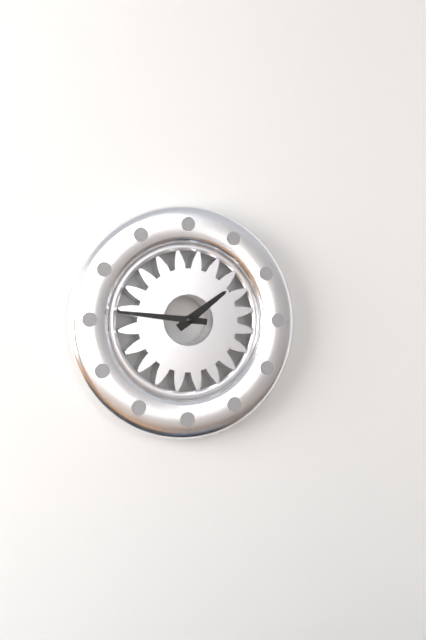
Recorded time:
1 h 46 min
